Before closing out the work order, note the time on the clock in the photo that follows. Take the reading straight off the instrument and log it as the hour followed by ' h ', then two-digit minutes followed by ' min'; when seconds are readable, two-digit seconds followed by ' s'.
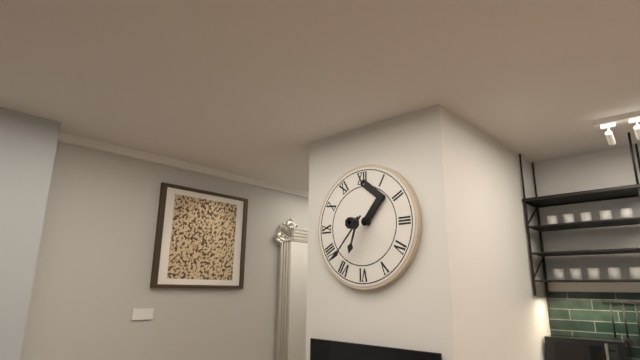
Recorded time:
6 h 37 min
